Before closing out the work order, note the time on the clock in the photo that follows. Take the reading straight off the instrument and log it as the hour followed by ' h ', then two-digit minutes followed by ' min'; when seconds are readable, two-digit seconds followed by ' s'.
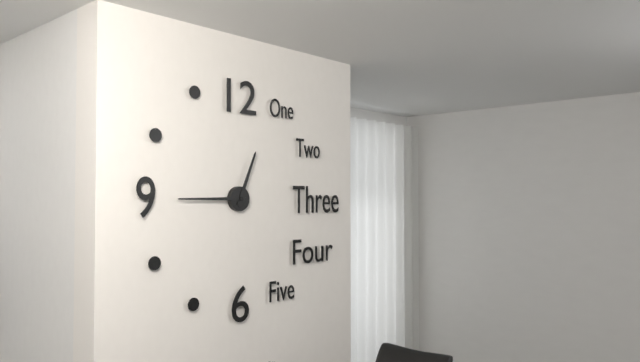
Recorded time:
12 h 45 min
